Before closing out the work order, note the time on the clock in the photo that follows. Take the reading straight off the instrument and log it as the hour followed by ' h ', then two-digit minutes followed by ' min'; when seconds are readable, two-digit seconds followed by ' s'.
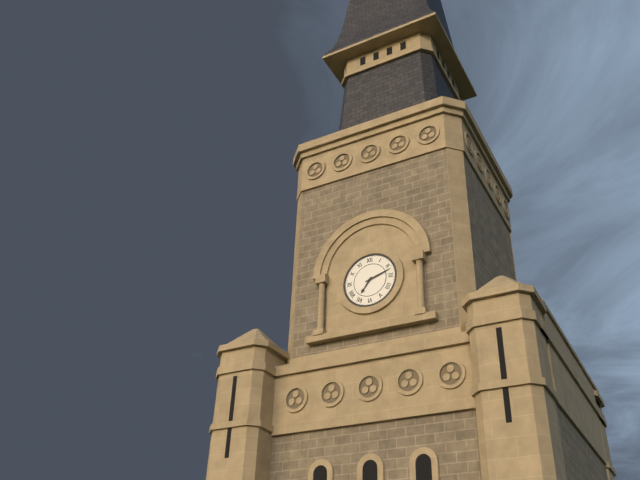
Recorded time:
7 h 12 min
